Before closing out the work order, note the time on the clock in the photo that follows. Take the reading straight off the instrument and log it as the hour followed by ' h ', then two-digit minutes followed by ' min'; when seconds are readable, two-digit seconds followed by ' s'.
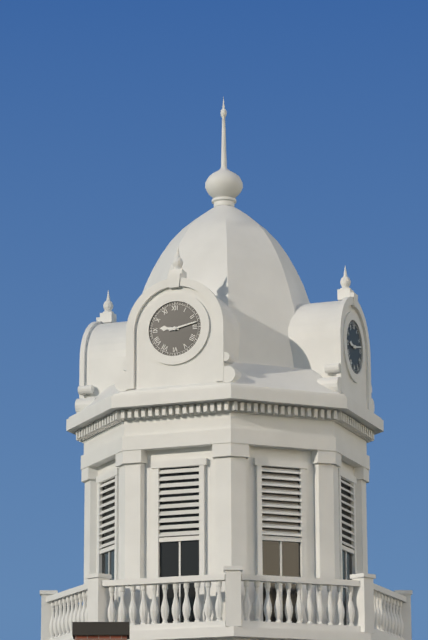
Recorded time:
9 h 13 min
